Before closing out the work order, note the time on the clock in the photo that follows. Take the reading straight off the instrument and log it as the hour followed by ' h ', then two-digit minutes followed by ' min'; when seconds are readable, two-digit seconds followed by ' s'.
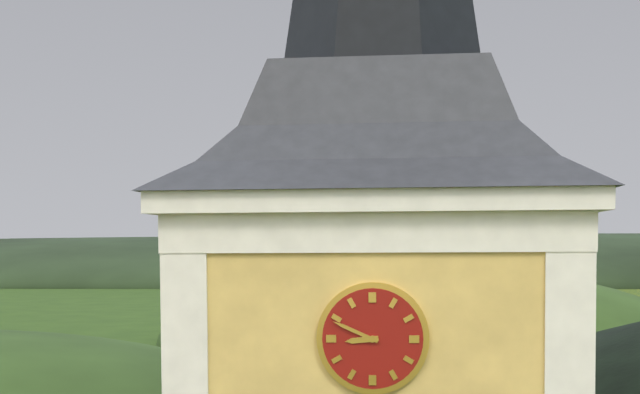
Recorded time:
8 h 49 min
